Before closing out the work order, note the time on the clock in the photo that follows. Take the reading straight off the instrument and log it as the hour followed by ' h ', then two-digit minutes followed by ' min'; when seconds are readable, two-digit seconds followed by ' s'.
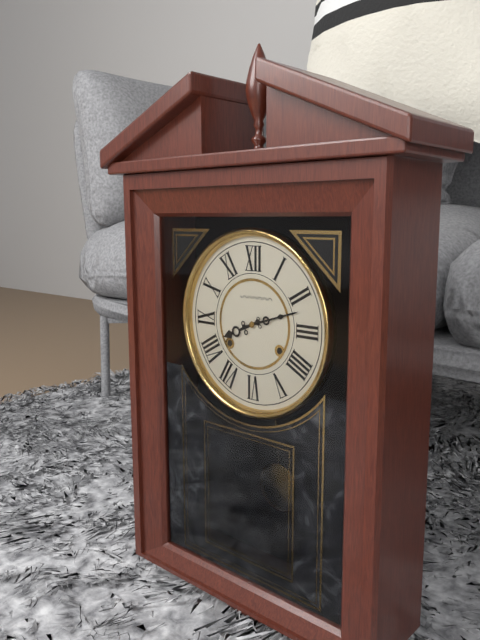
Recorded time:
8 h 12 min
